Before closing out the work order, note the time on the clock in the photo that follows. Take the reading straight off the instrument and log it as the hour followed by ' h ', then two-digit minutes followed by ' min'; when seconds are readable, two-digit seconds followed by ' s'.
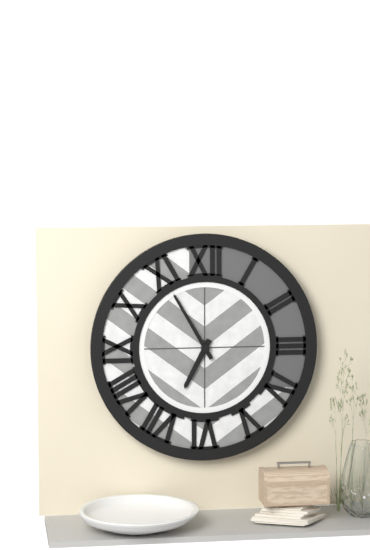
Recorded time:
6 h 55 min
